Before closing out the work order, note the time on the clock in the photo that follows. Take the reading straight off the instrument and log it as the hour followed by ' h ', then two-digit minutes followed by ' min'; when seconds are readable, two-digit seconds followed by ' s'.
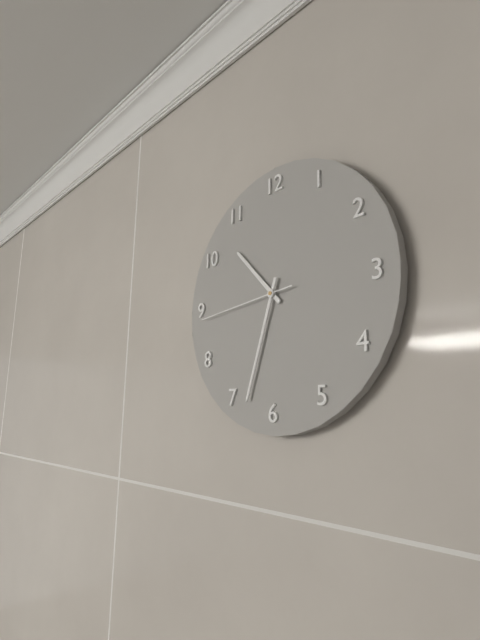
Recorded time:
10 h 33 min 44 s
